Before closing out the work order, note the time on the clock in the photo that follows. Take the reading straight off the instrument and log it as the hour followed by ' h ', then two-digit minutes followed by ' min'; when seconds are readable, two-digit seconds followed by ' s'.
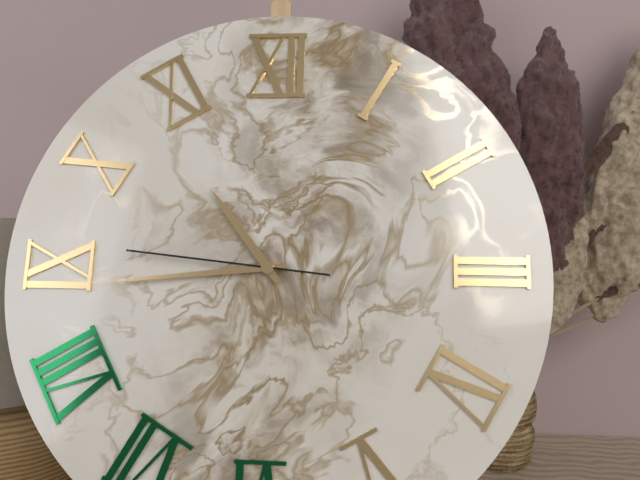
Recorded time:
10 h 44 min 46 s
